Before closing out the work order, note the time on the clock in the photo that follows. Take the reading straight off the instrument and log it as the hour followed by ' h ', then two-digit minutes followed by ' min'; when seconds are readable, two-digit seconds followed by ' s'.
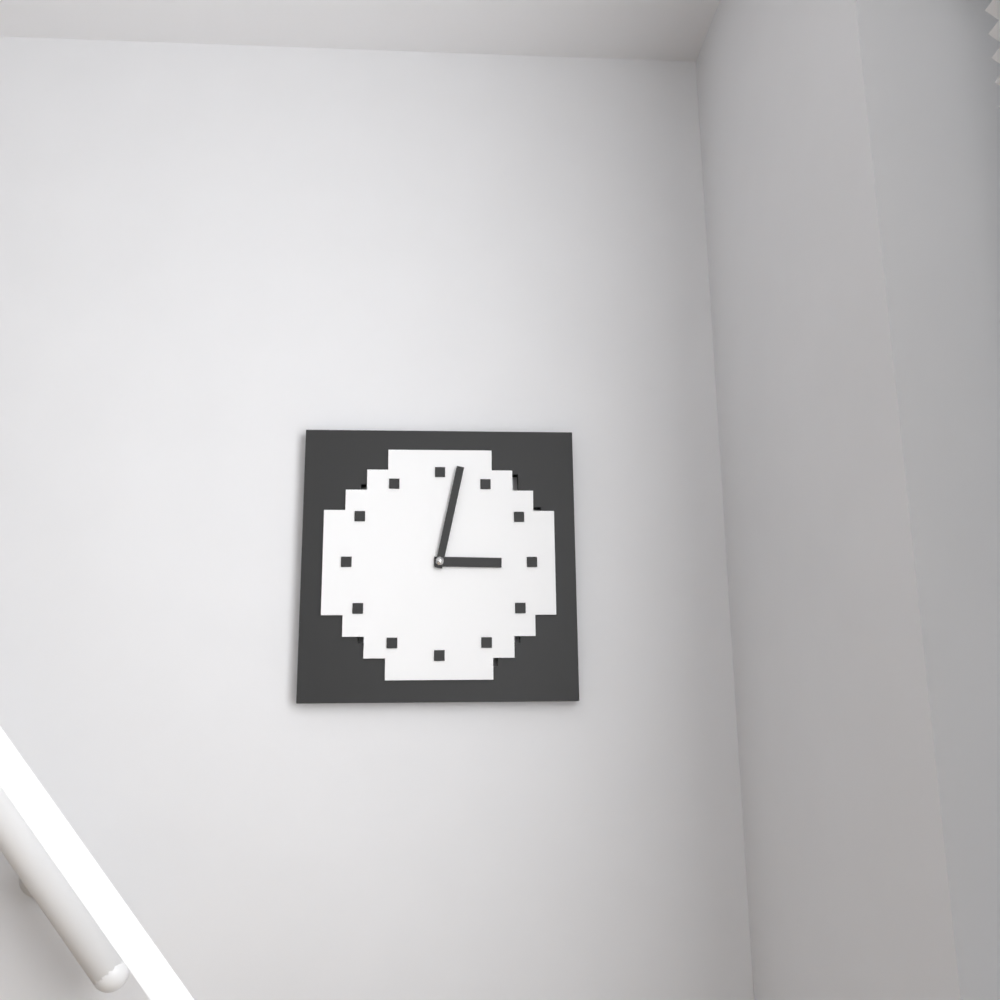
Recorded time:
3 h 02 min
